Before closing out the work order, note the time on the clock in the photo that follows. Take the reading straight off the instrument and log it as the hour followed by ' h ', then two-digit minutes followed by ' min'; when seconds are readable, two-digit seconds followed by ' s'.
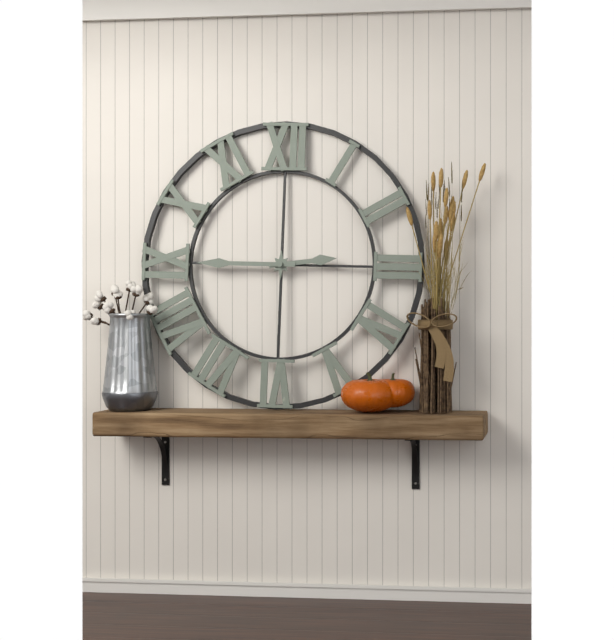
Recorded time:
2 h 45 min
